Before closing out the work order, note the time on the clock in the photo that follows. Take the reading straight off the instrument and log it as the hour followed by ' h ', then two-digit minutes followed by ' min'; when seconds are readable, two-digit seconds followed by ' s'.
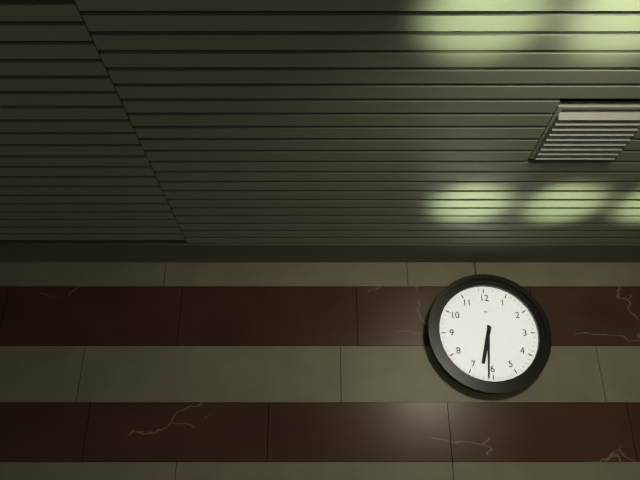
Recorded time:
6 h 31 min
